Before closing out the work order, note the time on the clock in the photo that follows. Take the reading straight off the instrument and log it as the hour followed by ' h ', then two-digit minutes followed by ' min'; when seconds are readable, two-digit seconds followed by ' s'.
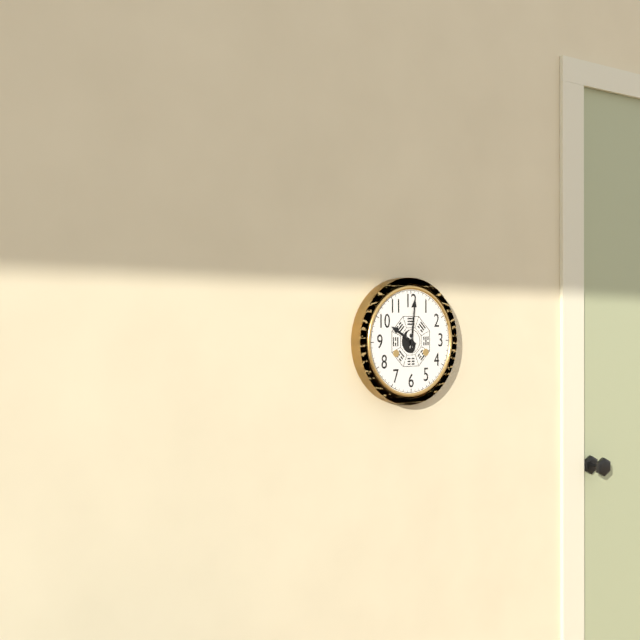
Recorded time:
10 h 01 min
